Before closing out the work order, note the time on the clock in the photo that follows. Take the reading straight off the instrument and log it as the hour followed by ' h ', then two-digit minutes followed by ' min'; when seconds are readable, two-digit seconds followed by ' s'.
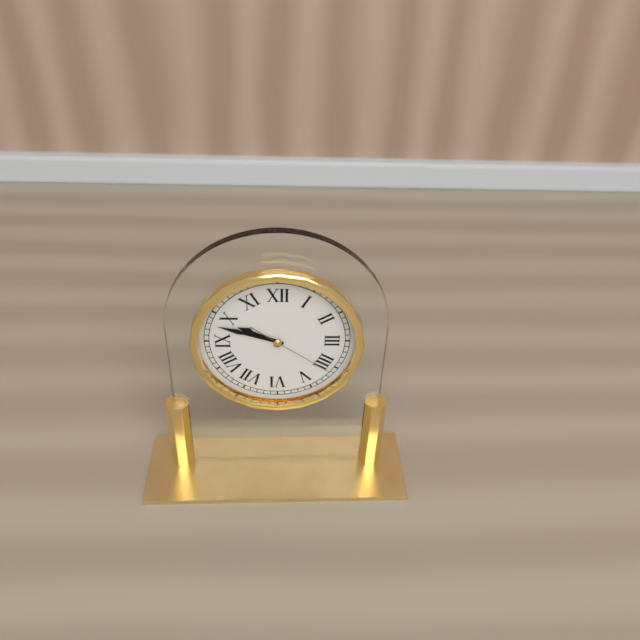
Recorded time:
9 h 48 min 21 s
